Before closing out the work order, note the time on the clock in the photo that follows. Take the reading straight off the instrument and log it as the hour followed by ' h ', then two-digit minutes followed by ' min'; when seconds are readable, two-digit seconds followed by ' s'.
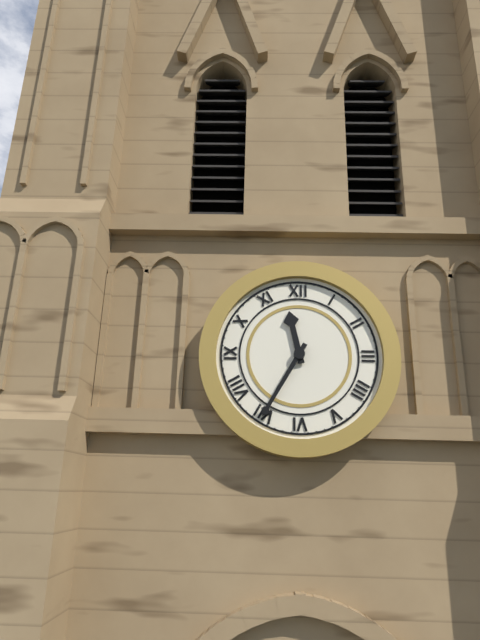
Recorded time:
11 h 35 min
